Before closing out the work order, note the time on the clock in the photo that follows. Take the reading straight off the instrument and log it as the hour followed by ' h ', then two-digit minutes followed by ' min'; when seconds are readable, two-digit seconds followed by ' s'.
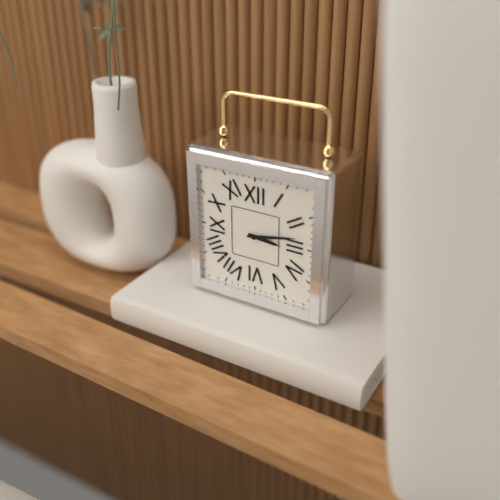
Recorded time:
3 h 13 min
